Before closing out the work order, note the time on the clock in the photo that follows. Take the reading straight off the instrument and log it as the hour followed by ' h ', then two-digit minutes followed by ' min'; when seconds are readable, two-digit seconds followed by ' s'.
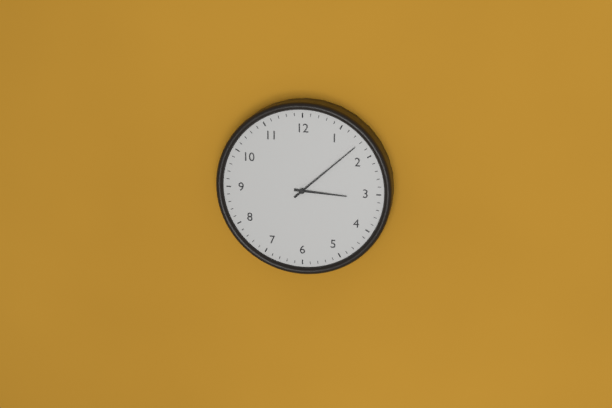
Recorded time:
3 h 08 min
